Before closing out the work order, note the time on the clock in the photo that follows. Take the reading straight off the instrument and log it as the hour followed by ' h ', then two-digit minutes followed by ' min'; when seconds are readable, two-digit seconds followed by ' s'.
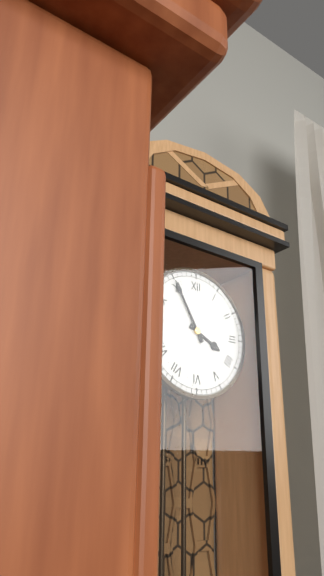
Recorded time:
3 h 55 min
